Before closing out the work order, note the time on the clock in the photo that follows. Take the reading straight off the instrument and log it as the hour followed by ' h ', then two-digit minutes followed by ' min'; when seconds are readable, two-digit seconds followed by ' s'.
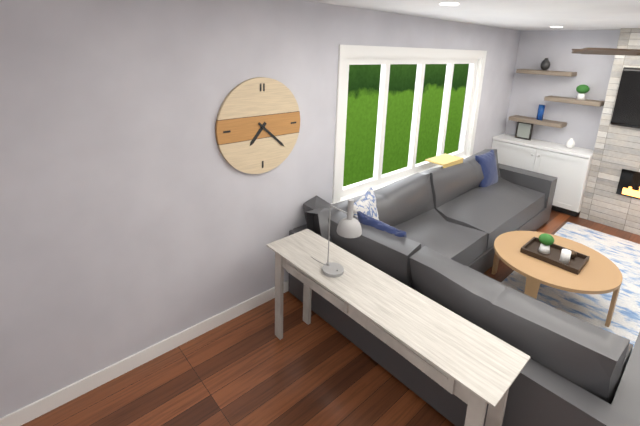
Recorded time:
7 h 22 min
